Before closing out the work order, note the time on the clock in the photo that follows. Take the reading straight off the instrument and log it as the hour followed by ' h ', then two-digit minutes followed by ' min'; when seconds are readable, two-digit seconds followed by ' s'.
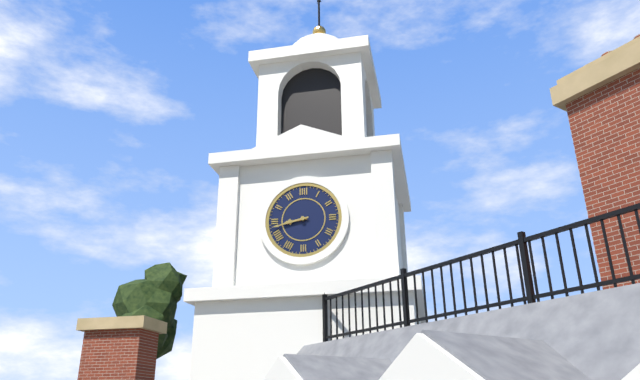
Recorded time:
8 h 43 min
